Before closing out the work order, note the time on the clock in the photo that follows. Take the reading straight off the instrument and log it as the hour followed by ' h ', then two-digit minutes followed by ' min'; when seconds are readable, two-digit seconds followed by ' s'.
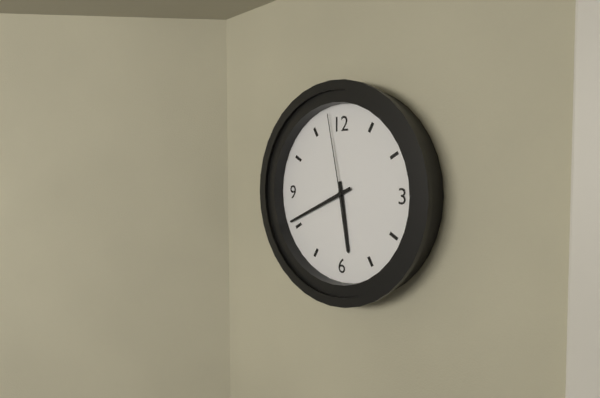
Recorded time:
5 h 41 min 58 s
